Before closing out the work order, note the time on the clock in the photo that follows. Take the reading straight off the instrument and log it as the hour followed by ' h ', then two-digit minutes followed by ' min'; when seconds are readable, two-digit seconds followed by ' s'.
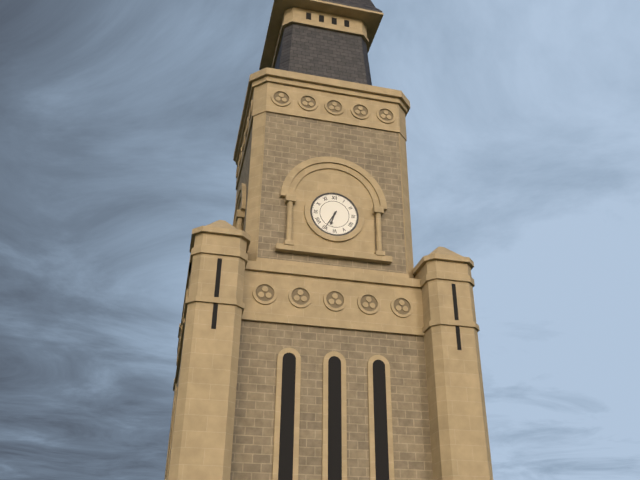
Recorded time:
6 h 35 min
